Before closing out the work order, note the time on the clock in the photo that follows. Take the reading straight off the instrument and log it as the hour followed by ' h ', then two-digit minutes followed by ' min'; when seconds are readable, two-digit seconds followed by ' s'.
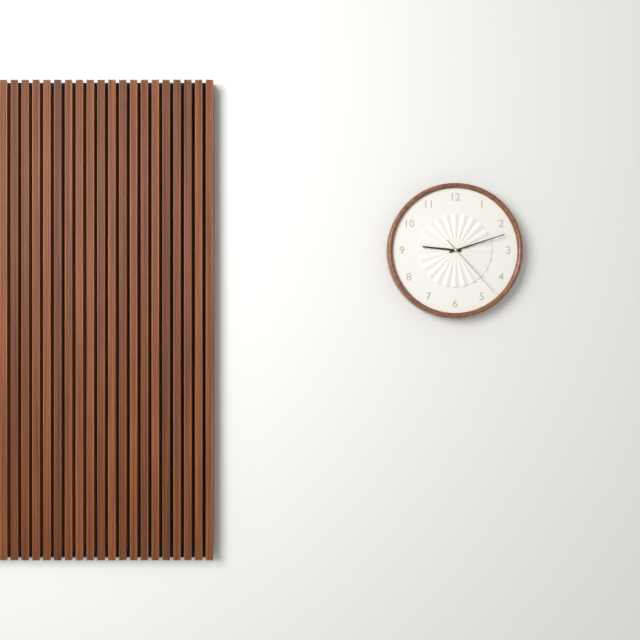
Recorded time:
9 h 12 min 23 s
